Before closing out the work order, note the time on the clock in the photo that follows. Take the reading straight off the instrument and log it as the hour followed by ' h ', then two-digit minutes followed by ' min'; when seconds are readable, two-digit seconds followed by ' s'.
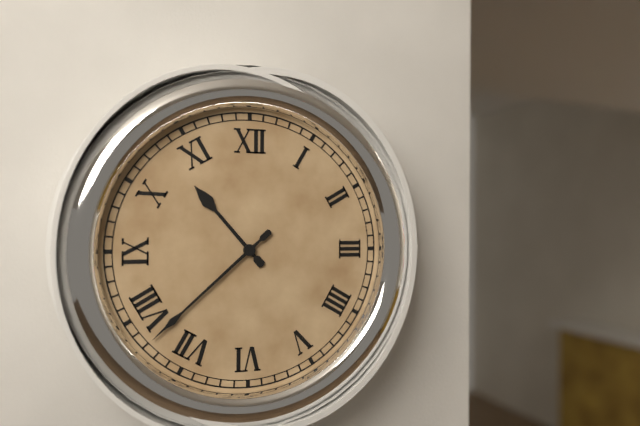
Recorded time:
10 h 38 min
